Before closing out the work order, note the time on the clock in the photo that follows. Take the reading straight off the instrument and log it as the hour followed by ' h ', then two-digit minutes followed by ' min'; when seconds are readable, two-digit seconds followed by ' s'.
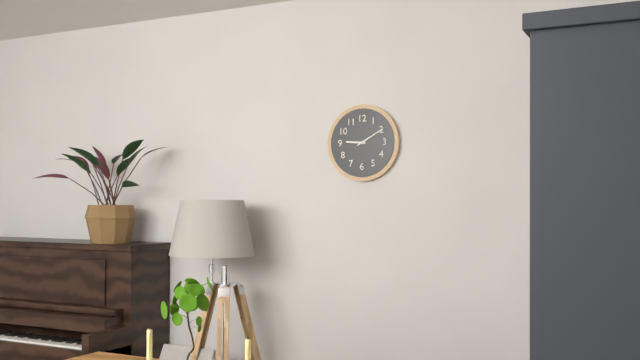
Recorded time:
9 h 10 min
